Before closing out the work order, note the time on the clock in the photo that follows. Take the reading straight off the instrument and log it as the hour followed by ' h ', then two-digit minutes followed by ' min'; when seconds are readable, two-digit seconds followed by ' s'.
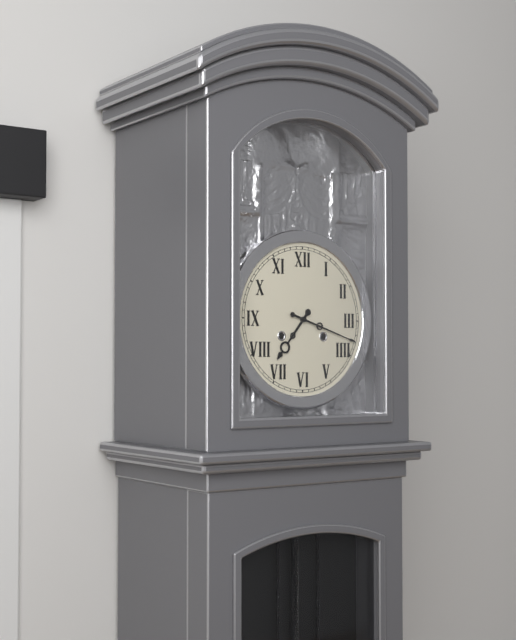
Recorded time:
7 h 18 min
